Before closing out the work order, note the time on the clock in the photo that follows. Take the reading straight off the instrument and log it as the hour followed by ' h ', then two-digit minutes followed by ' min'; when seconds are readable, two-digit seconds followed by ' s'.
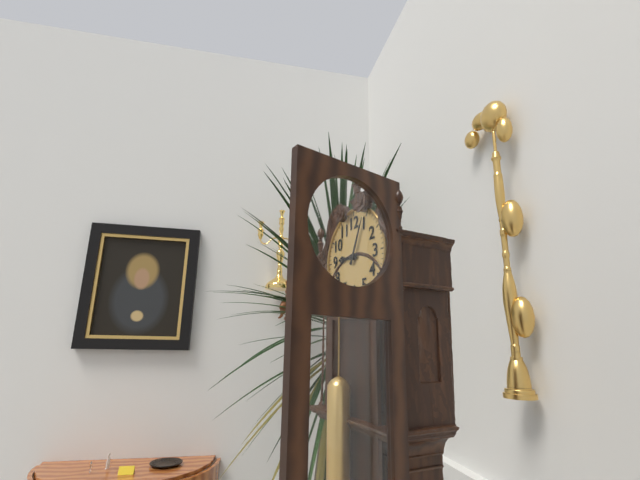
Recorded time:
9 h 04 min
